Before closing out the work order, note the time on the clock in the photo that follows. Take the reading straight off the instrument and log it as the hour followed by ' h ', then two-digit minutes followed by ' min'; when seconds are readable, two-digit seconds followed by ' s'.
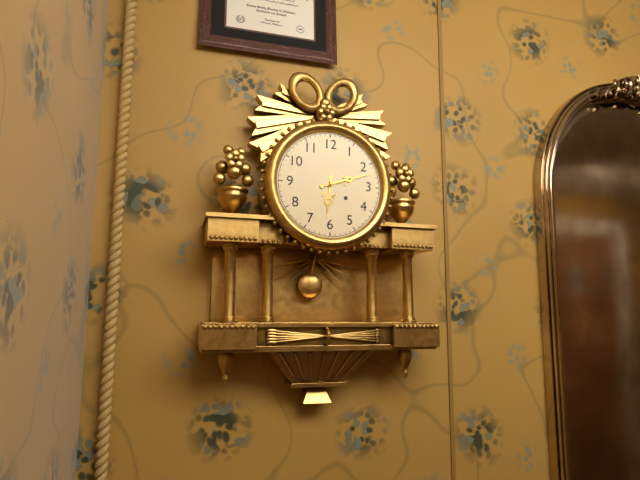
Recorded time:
6 h 12 min
